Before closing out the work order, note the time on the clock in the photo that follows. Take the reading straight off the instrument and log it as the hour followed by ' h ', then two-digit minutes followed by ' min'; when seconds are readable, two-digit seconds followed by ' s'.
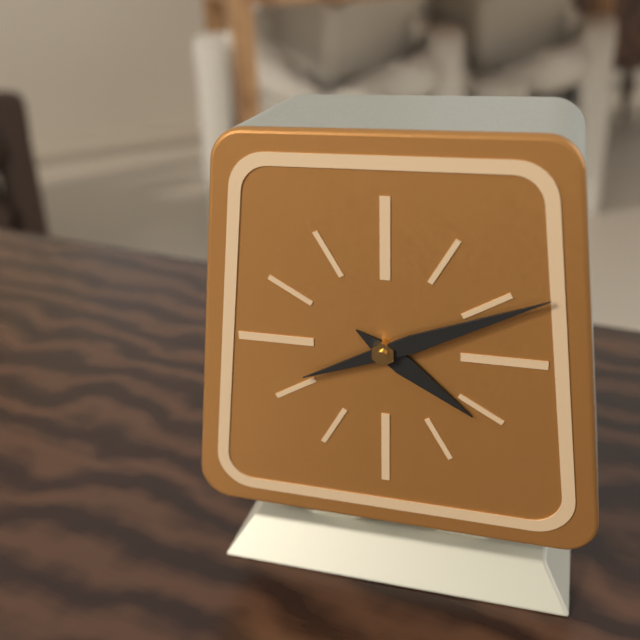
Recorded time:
4 h 11 min
